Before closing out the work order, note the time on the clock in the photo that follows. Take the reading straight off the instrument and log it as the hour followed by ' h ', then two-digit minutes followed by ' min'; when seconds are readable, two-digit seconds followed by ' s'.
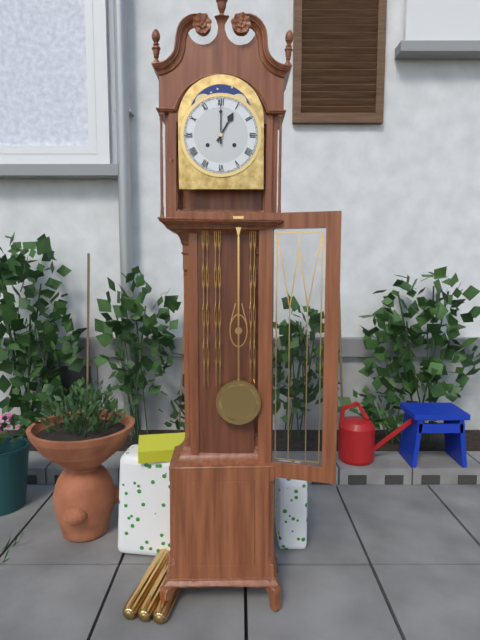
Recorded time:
1 h 00 min
